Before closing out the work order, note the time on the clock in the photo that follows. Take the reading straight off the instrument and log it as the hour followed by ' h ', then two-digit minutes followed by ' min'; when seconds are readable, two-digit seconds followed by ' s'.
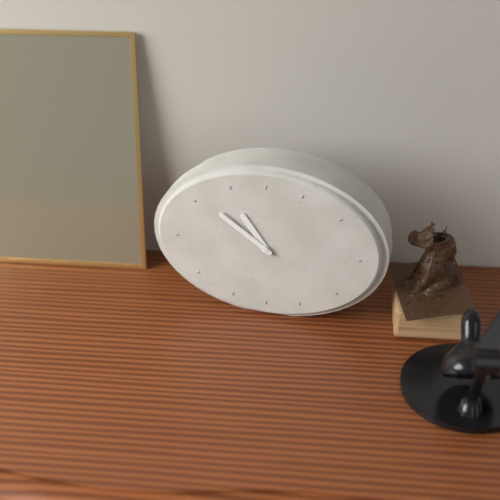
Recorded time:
10 h 51 min
